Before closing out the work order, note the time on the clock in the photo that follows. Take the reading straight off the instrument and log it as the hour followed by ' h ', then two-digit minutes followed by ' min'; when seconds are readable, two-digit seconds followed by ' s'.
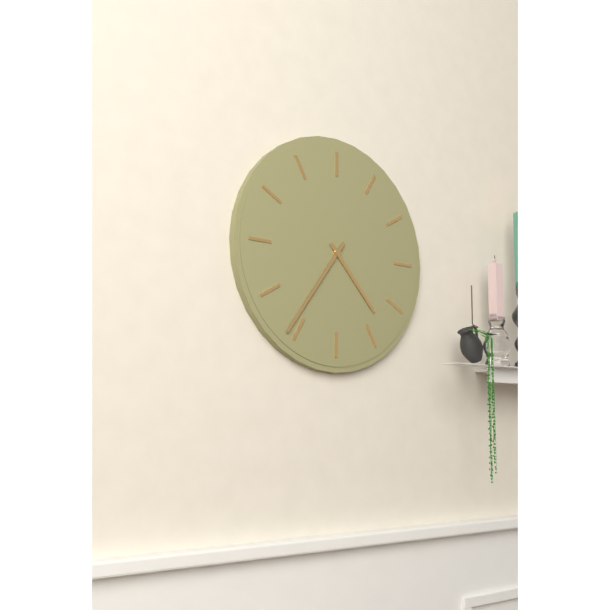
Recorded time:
4 h 36 min
